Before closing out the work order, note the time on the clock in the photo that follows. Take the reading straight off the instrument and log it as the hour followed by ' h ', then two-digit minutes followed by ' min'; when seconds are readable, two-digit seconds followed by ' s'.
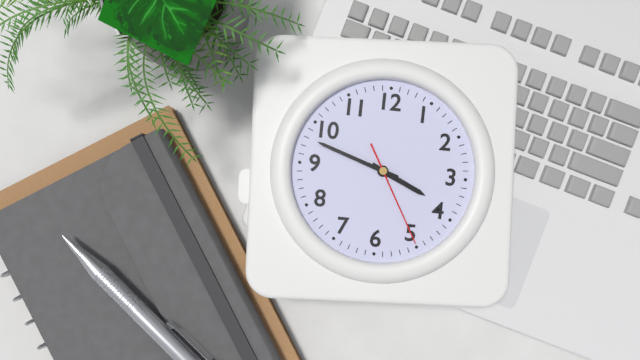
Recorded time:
3 h 48 min 25 s
